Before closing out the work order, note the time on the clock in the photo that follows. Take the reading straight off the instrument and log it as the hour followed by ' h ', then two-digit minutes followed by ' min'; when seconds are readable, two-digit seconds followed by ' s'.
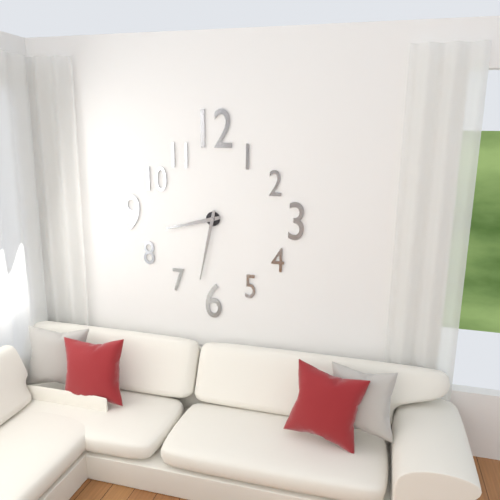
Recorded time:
8 h 32 min
